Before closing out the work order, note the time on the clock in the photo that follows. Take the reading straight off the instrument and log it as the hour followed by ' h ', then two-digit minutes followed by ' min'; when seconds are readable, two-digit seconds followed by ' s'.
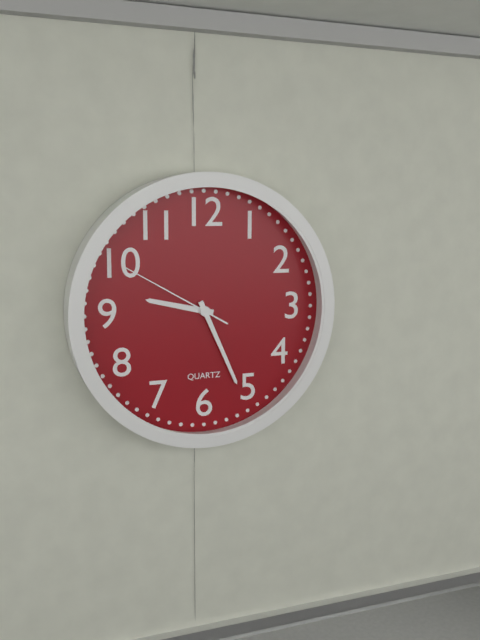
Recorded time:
9 h 26 min 50 s
